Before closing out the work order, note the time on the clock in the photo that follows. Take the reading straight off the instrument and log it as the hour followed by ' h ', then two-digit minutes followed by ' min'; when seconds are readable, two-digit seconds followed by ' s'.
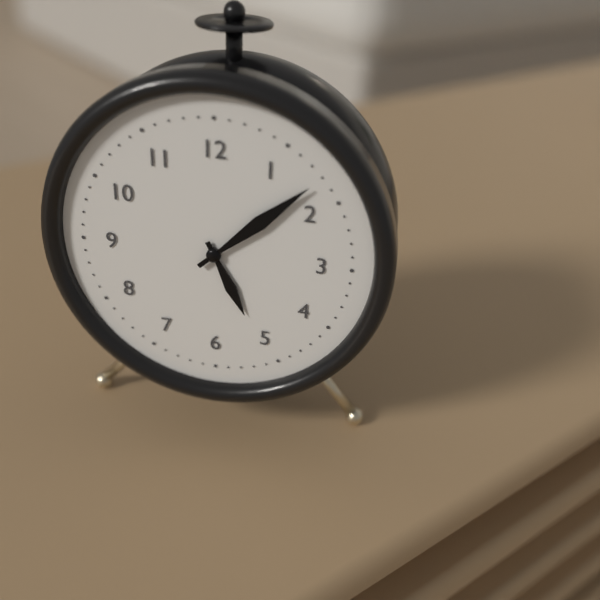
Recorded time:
5 h 08 min
